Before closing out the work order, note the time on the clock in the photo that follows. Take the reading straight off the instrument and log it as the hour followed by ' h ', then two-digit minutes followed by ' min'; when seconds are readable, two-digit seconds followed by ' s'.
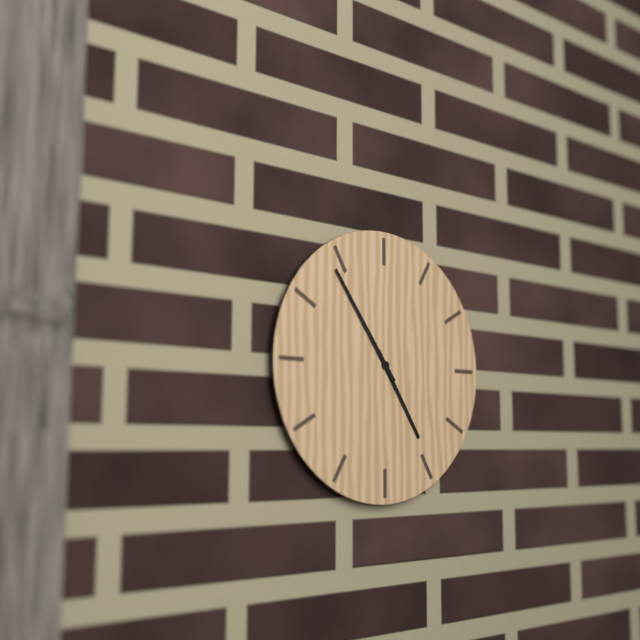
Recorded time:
4 h 54 min
